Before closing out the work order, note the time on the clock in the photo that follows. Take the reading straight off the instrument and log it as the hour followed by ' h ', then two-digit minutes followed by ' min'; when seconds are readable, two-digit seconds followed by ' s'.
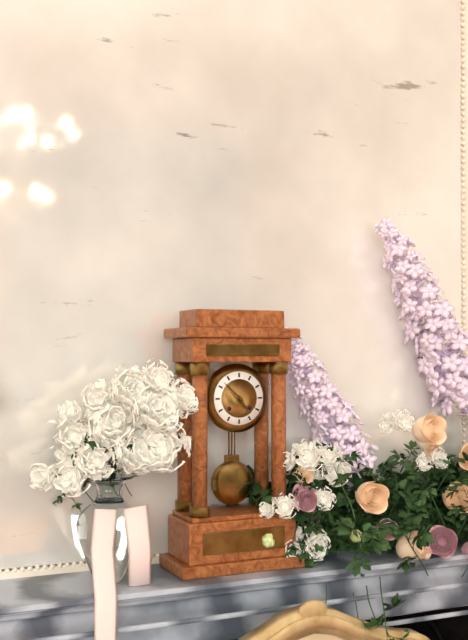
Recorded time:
4 h 52 min
